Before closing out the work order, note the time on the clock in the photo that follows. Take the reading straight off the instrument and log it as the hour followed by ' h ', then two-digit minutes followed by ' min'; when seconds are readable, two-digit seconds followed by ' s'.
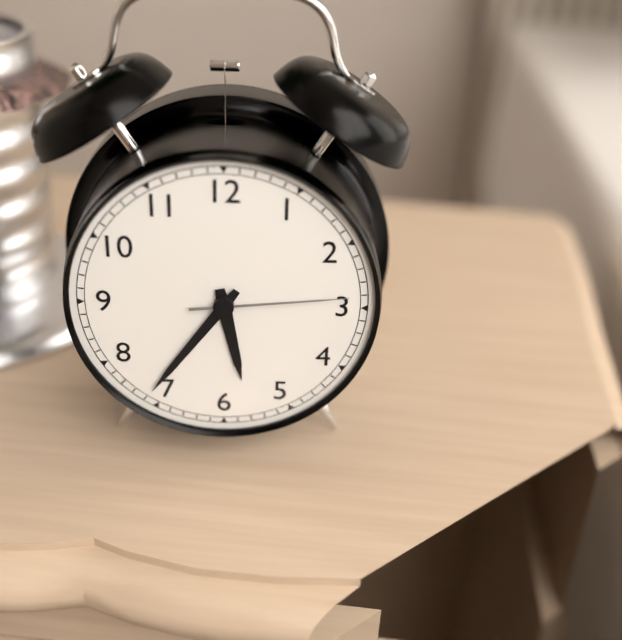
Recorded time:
5 h 36 min 14 s
